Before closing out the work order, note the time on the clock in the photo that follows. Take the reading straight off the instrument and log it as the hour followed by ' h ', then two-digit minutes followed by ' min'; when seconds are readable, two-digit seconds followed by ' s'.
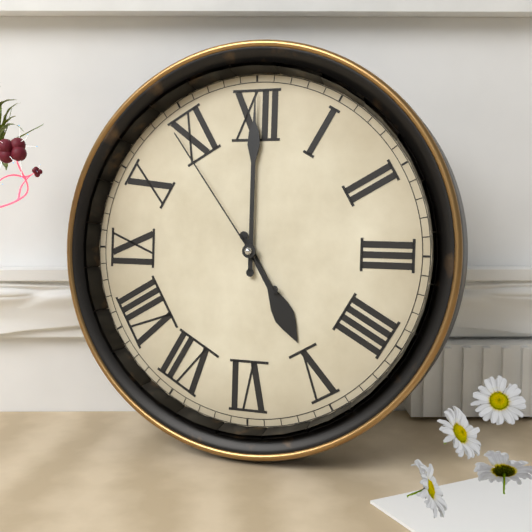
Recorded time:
5 h 00 min 54 s
